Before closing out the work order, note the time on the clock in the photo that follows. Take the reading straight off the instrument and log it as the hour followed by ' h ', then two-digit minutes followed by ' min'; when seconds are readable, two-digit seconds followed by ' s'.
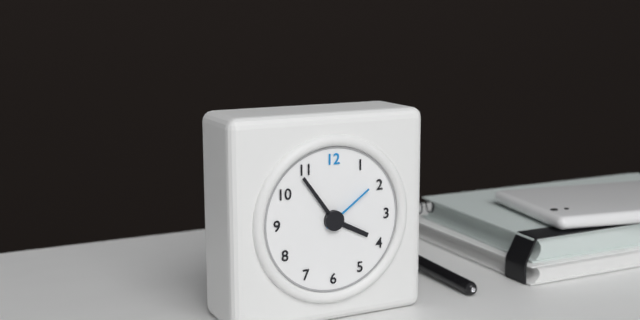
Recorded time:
3 h 54 min 09 s
